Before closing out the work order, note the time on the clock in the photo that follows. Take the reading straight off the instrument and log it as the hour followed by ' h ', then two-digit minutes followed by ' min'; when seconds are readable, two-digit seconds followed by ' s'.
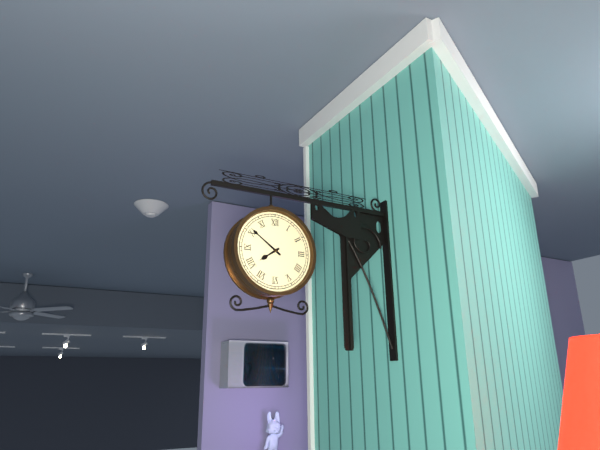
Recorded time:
7 h 51 min
